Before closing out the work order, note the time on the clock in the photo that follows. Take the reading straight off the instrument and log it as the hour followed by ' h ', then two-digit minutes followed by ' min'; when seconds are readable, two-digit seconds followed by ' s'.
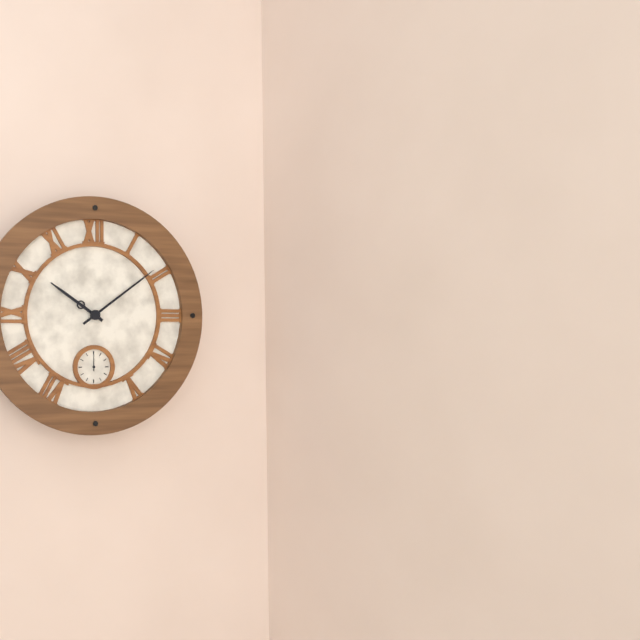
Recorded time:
10 h 09 min
